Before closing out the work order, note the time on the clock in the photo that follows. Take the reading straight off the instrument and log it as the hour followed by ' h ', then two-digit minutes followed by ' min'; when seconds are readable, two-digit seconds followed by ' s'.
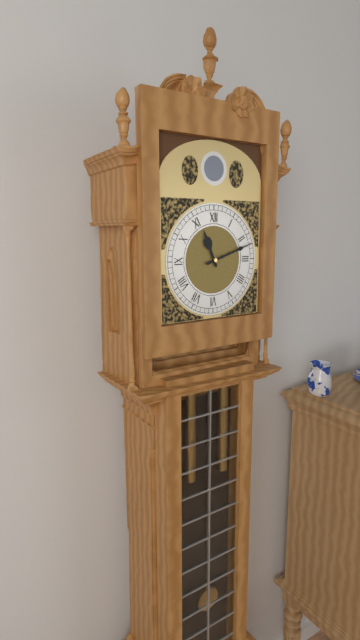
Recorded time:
11 h 12 min
